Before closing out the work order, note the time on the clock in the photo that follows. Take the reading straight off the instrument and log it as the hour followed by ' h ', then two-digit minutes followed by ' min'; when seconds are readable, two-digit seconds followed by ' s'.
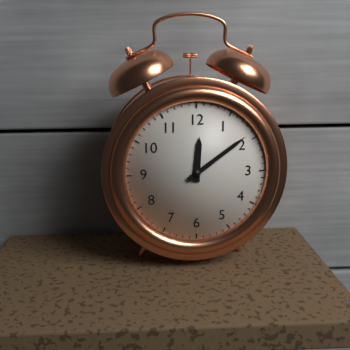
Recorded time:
12 h 09 min
